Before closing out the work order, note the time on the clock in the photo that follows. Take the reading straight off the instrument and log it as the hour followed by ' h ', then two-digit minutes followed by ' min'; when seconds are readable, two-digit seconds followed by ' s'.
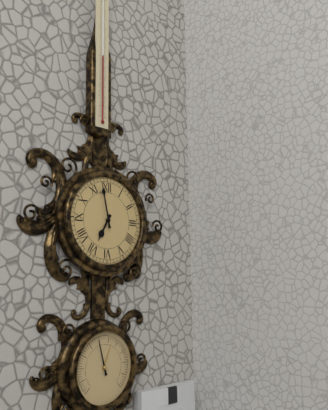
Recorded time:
6 h 58 min
